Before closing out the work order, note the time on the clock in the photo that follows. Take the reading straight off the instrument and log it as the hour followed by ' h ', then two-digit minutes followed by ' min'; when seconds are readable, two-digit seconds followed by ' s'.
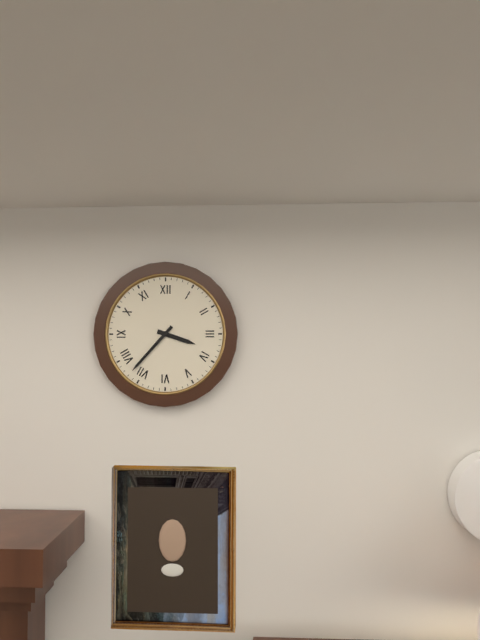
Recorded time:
3 h 37 min
